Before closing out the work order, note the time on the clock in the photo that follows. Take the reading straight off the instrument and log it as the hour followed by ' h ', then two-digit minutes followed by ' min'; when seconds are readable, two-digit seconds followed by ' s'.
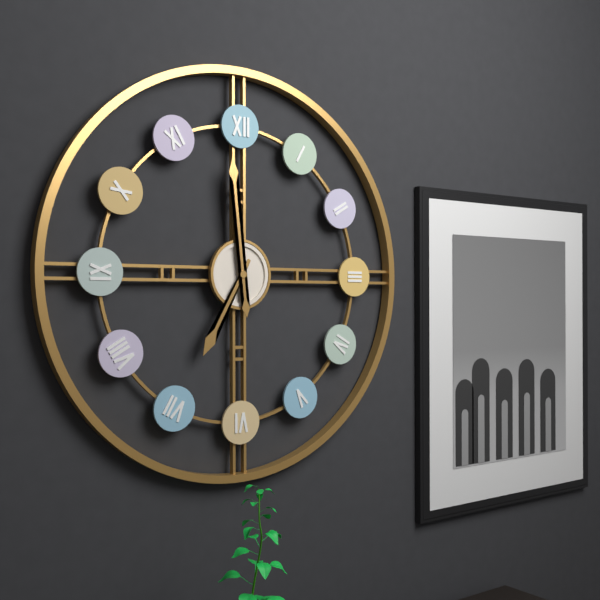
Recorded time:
6 h 59 min
